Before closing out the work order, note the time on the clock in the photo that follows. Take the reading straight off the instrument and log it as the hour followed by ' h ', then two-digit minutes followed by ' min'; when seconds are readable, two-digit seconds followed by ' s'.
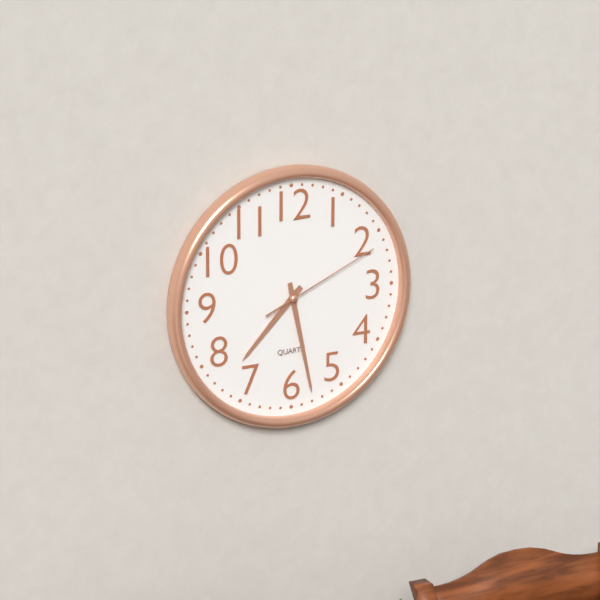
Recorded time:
7 h 28 min 11 s
